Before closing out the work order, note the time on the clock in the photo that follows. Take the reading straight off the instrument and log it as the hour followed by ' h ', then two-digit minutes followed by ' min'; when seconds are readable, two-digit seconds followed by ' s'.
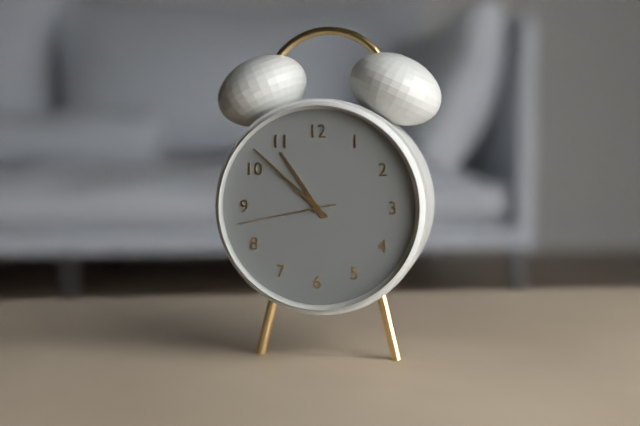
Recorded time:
10 h 52 min 43 s
